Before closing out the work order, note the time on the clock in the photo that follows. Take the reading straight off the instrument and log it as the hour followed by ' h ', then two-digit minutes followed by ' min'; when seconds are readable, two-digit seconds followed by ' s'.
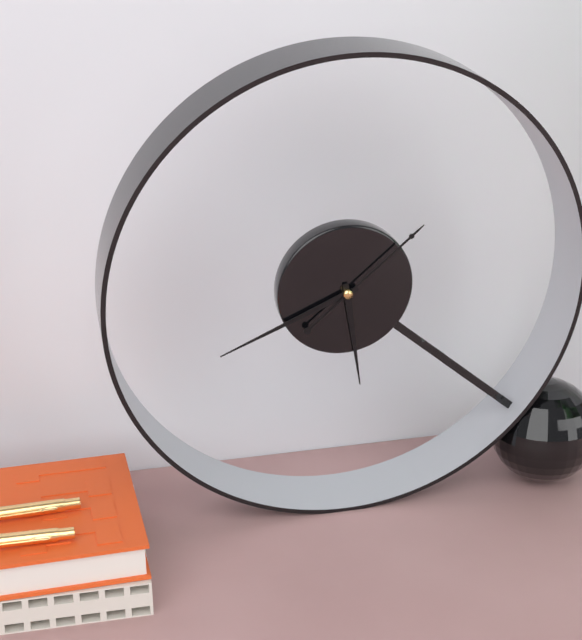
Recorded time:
5 h 41 min 08 s
